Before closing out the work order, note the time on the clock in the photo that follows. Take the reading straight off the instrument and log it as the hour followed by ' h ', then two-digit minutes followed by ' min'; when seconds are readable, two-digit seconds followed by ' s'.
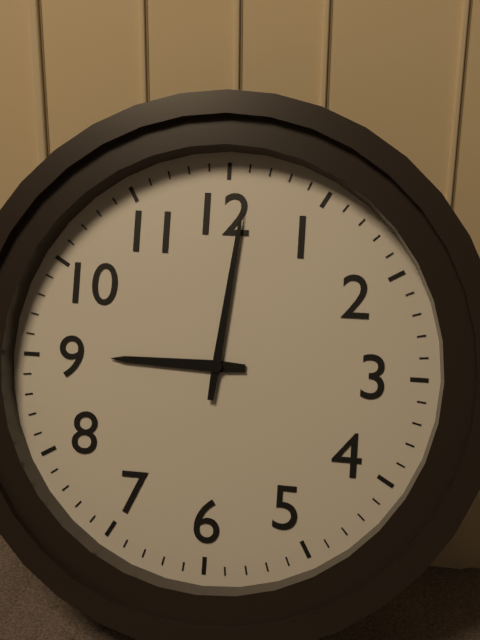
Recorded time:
9 h 01 min
